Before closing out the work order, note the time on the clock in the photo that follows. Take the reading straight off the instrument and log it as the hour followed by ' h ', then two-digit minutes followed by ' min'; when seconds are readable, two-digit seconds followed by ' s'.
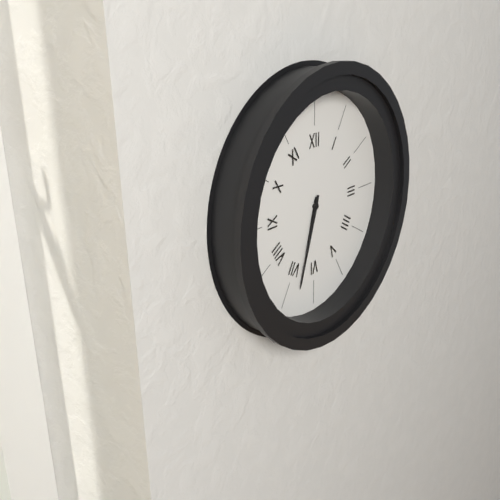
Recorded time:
6 h 33 min
